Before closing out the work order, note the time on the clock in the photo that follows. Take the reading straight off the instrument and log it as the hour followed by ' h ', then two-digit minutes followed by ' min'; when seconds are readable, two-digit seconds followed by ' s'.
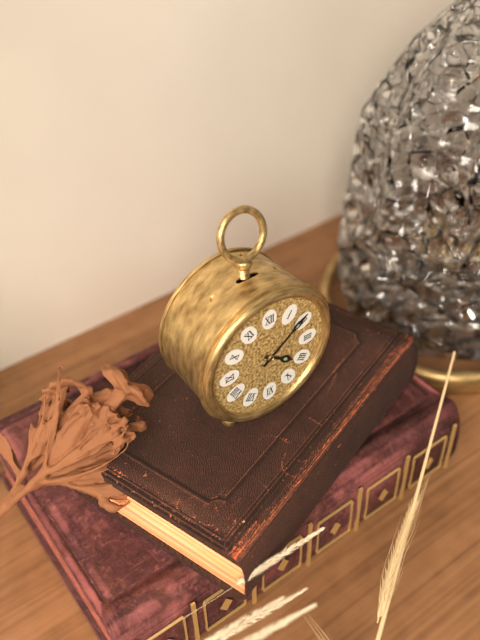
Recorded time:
4 h 09 min
